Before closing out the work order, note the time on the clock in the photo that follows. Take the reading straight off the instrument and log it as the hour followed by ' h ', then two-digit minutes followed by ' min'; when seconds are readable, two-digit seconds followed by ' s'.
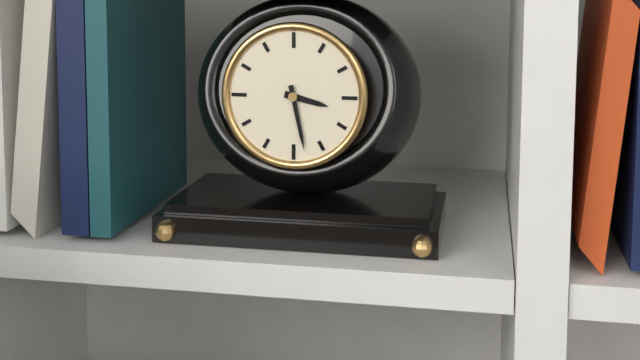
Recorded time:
3 h 28 min
